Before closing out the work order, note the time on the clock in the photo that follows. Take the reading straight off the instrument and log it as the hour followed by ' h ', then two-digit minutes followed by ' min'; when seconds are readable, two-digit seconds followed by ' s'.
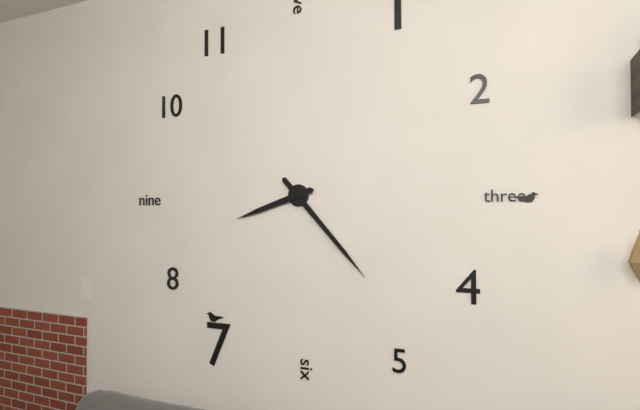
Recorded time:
8 h 23 min
